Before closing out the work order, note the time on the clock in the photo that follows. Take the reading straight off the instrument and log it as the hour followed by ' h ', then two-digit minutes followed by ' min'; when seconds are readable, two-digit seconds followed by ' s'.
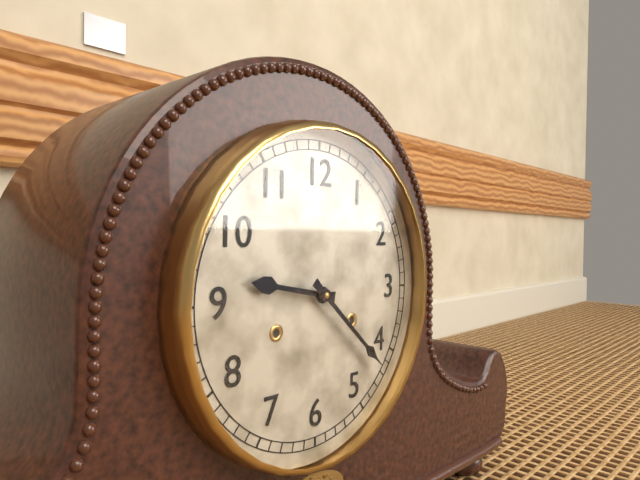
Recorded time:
9 h 22 min
